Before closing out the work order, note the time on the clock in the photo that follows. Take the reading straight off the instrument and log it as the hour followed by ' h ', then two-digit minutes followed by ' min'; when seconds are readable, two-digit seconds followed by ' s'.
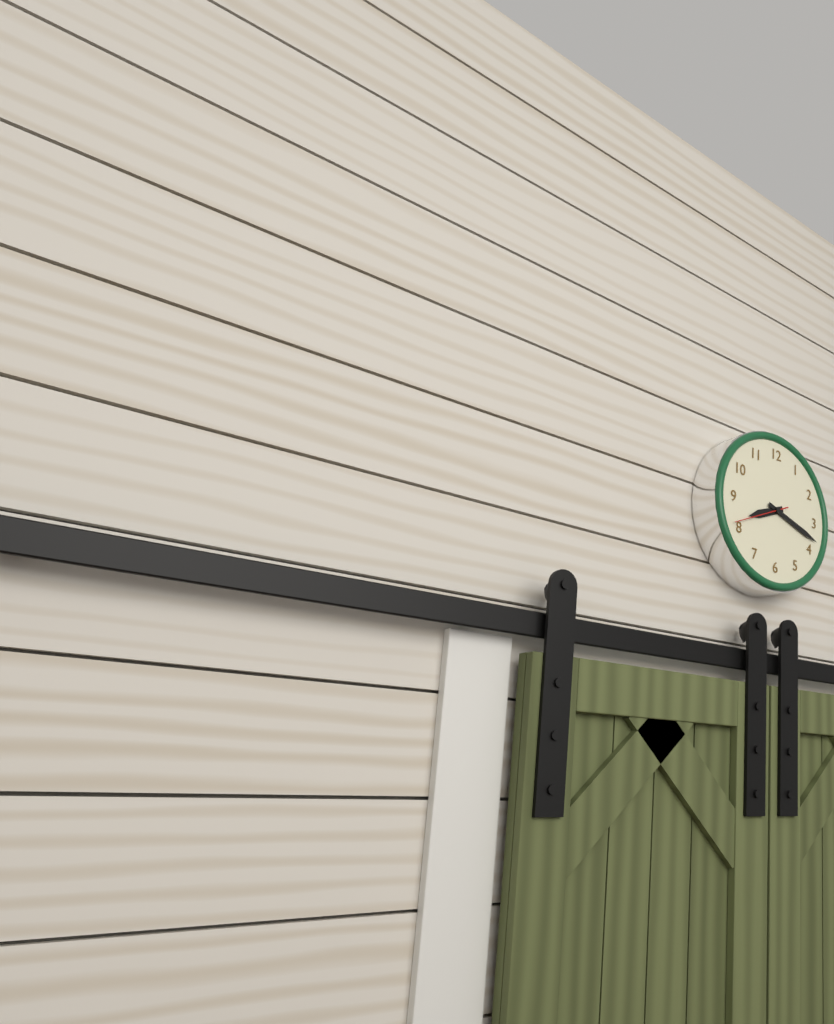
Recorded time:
8 h 18 min 41 s
